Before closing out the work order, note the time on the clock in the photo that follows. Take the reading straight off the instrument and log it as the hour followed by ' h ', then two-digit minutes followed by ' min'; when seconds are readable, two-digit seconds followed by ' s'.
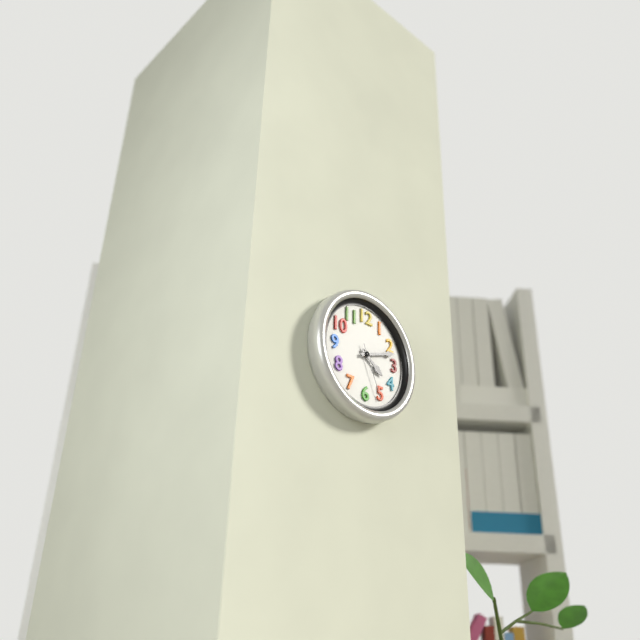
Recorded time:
4 h 12 min 26 s
